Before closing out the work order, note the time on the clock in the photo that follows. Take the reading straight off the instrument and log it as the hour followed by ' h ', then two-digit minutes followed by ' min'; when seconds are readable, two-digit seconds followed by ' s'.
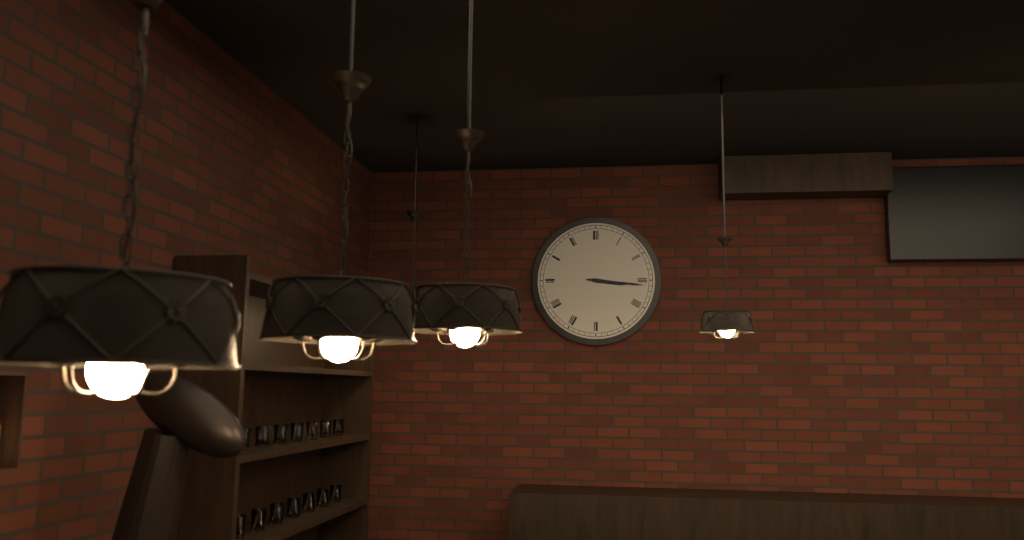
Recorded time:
3 h 16 min
